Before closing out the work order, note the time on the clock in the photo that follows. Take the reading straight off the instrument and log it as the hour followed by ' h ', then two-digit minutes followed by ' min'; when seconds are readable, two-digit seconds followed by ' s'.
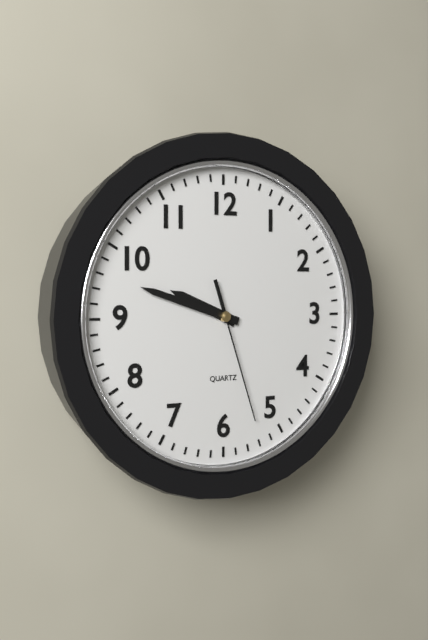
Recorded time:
9 h 48 min 27 s
